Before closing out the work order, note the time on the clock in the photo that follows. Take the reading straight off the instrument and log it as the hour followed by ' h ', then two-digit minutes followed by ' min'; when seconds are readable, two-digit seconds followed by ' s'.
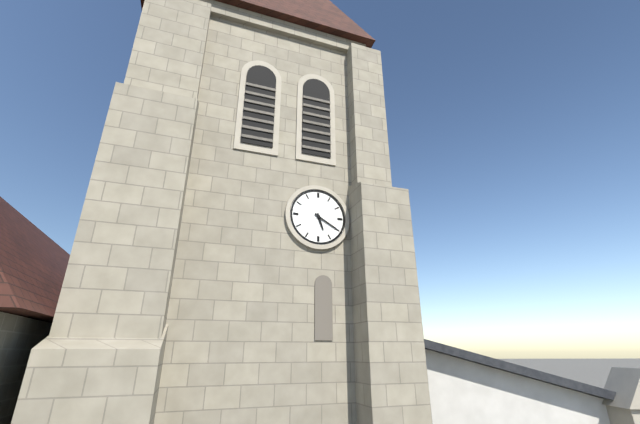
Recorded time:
5 h 20 min
